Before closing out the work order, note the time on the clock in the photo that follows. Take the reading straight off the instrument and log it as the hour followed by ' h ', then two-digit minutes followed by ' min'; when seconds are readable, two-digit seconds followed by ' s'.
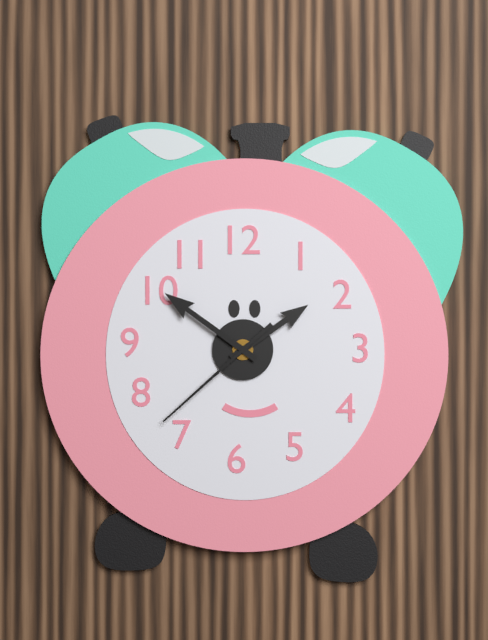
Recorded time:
1 h 51 min 38 s
